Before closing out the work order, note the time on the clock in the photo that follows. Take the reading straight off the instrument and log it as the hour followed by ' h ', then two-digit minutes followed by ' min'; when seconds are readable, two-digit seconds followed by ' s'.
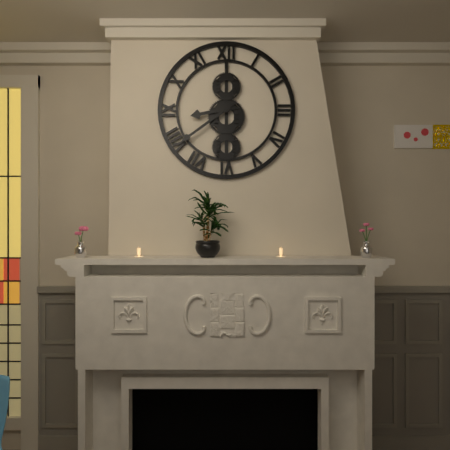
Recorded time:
8 h 39 min
